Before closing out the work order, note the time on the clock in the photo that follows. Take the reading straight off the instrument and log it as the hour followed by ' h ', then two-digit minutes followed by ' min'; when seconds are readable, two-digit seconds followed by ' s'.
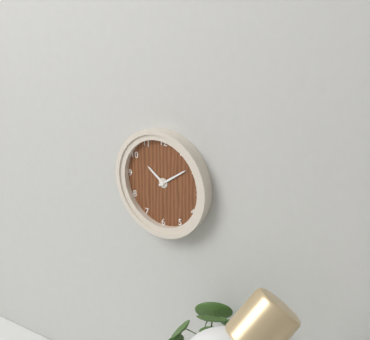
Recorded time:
10 h 09 min
